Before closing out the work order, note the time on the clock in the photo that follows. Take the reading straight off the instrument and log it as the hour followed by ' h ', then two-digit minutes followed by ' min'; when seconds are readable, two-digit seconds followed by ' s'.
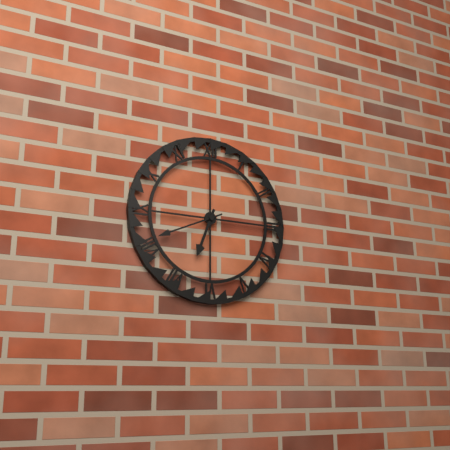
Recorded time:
6 h 41 min
